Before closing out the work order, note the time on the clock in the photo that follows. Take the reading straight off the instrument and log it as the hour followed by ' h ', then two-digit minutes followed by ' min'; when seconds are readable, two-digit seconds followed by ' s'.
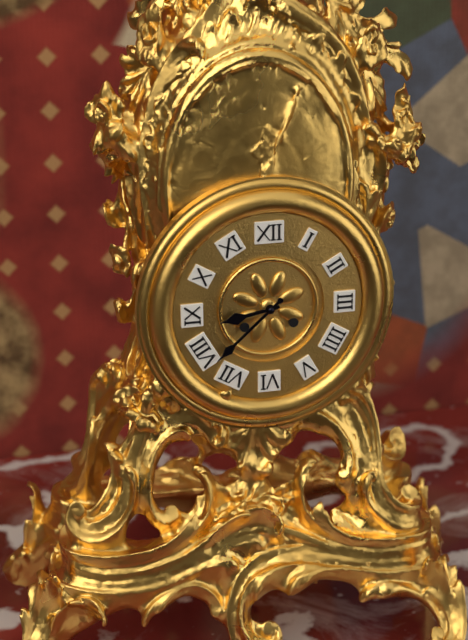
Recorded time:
8 h 38 min
